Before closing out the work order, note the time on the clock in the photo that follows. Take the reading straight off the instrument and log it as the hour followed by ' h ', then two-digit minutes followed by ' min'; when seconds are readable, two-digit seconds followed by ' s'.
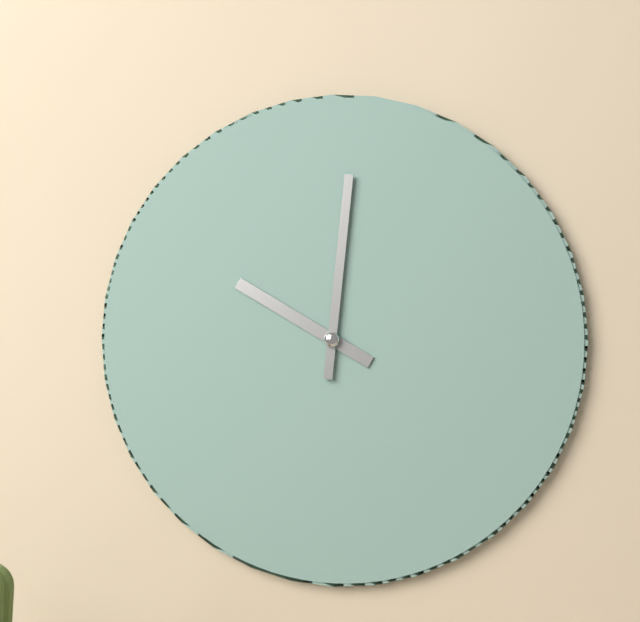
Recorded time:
10 h 01 min
